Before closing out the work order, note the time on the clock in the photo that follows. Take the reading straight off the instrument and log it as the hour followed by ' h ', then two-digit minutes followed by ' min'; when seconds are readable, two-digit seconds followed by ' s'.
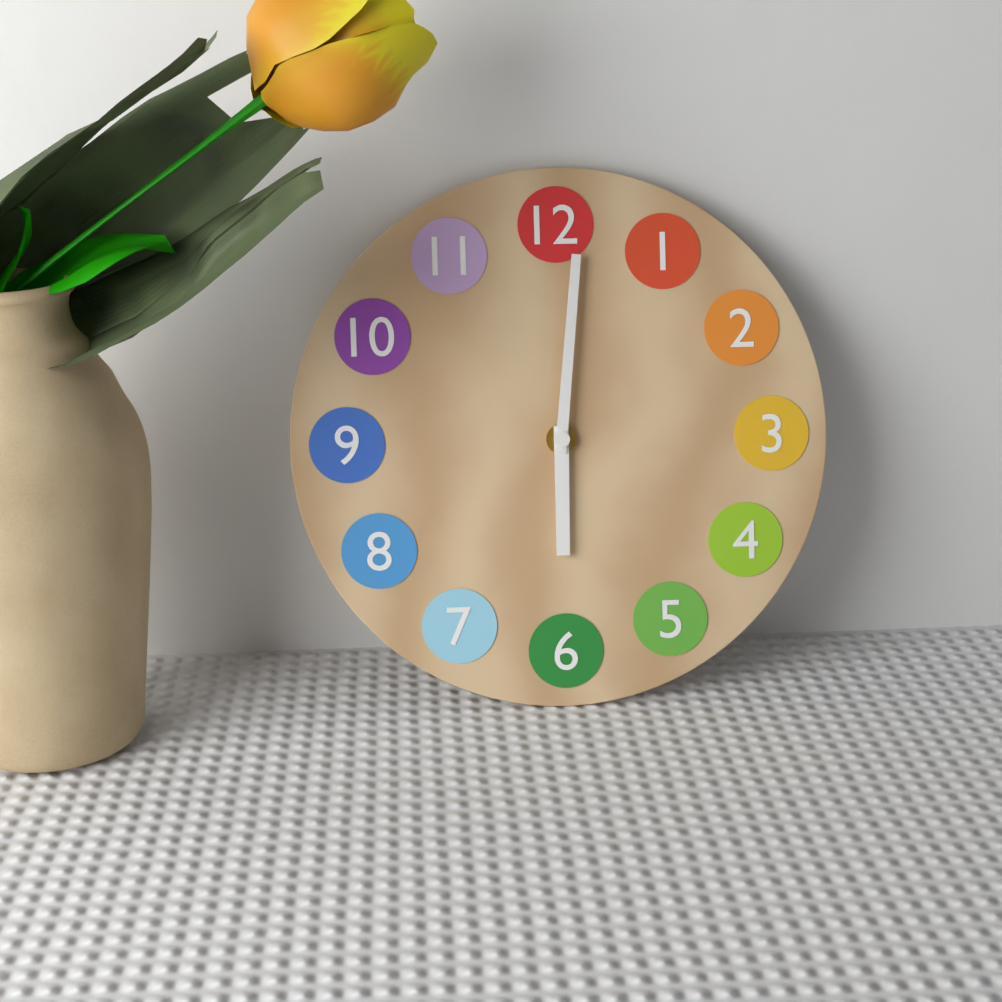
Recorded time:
6 h 01 min
